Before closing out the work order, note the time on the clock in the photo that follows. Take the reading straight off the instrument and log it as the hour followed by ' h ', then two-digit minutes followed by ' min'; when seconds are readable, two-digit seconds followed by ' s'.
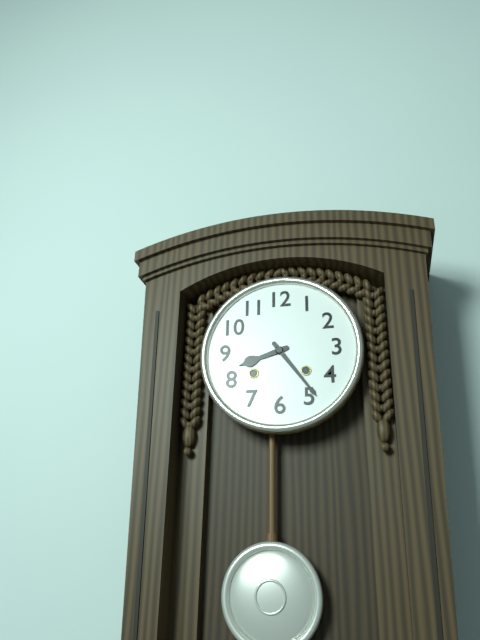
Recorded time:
8 h 24 min
